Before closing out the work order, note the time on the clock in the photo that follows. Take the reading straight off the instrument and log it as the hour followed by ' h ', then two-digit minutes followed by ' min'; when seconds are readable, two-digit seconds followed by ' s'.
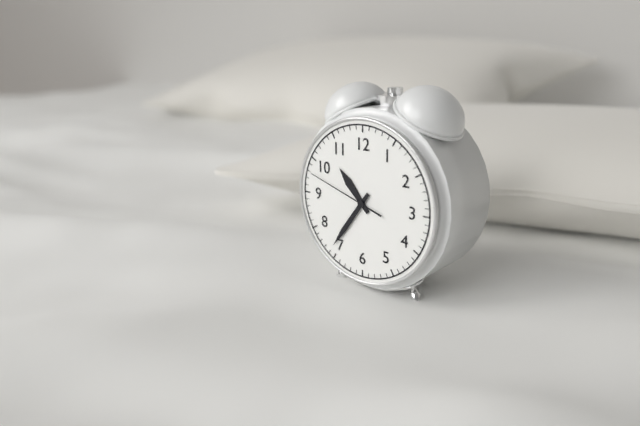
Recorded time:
10 h 36 min 48 s
